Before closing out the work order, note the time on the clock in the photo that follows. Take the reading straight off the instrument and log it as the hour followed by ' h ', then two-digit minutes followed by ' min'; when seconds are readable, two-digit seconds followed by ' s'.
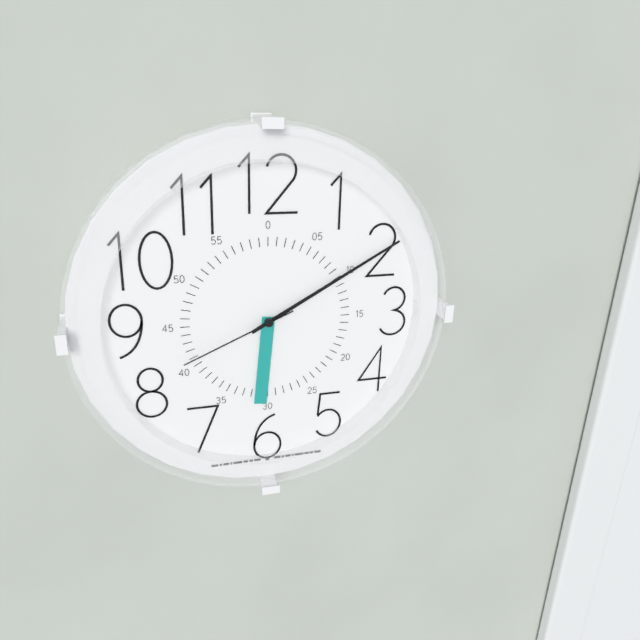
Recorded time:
6 h 10 min 41 s
